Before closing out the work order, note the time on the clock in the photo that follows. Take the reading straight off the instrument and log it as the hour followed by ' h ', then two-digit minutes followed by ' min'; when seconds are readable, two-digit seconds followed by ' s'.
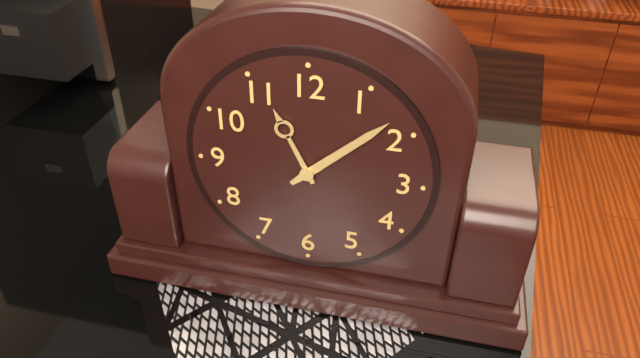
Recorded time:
11 h 08 min
